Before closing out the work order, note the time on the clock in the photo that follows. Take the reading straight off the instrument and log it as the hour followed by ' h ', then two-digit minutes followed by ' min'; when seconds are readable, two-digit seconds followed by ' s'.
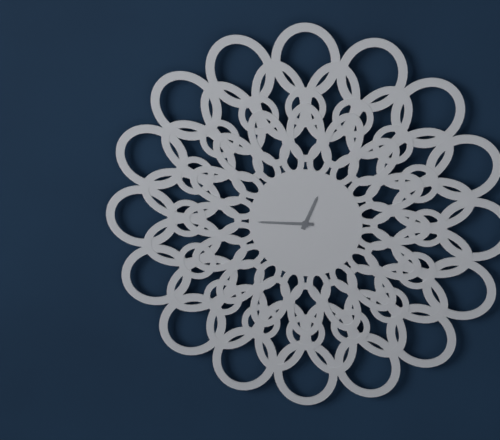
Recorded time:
12 h 45 min
